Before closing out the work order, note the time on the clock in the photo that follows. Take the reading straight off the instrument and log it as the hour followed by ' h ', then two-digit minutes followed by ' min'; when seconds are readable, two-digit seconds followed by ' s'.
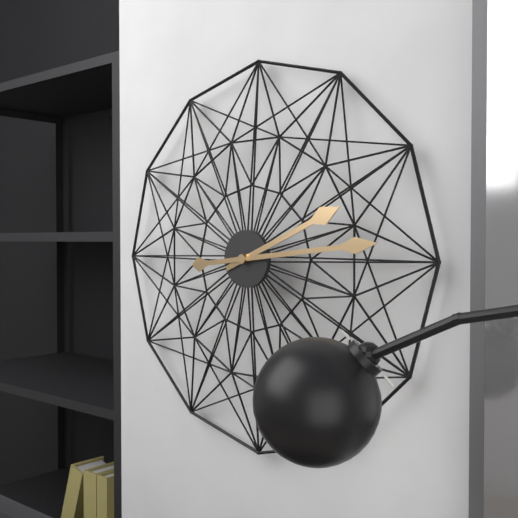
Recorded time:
2 h 14 min
